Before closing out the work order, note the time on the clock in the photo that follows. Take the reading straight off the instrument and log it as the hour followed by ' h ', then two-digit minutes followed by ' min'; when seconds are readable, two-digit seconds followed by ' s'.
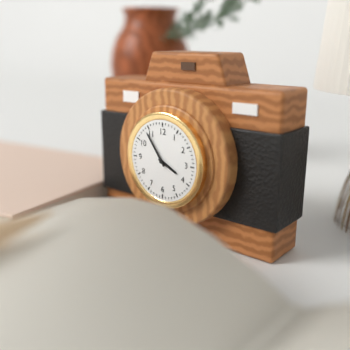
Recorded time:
3 h 54 min
